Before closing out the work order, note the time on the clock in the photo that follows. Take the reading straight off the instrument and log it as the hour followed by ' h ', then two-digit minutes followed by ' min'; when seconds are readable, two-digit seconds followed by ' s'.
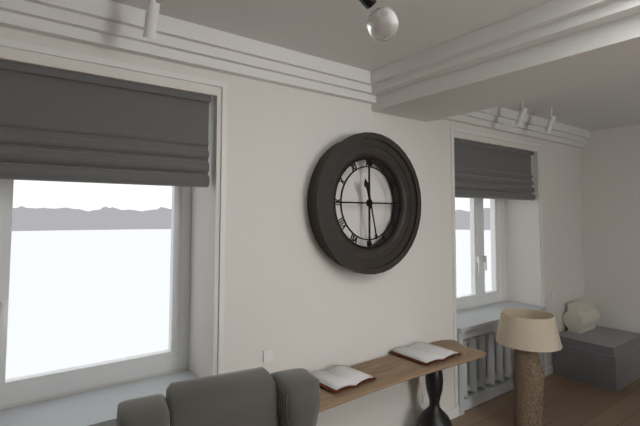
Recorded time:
11 h 28 min
